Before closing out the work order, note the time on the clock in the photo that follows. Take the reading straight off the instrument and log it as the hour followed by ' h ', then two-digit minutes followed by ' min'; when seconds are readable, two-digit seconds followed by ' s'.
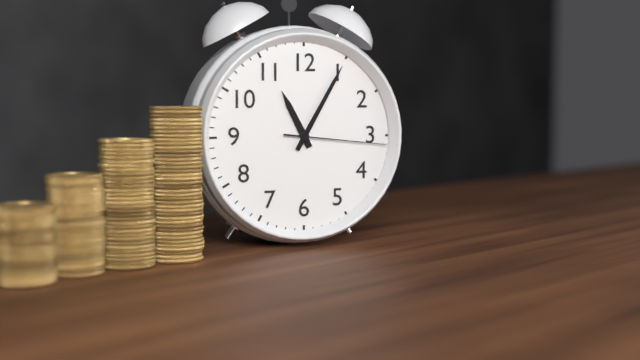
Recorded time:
11 h 05 min 16 s
